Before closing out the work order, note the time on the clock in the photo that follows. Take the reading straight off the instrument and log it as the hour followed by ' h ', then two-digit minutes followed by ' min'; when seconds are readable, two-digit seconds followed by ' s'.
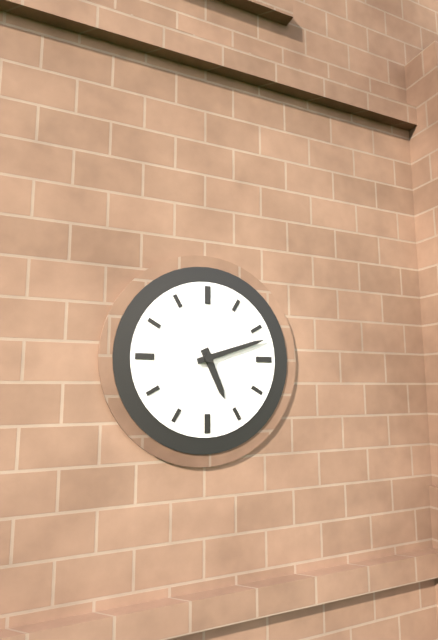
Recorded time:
5 h 12 min
